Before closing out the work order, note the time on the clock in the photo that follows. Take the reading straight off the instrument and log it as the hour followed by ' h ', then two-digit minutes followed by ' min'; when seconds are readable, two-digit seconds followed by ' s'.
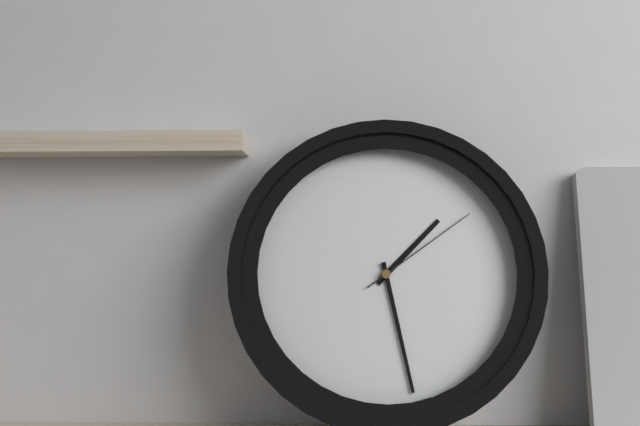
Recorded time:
1 h 28 min 09 s
